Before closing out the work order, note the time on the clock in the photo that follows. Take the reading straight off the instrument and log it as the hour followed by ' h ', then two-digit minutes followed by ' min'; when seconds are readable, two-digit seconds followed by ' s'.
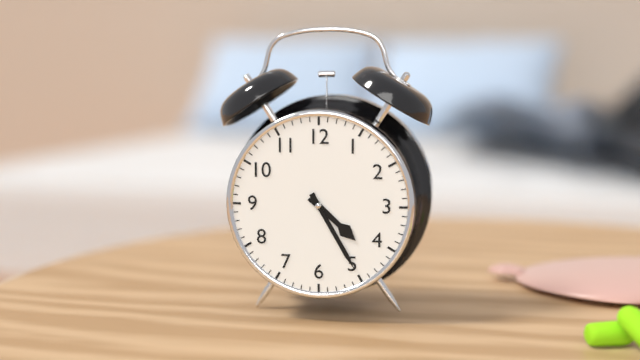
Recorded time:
4 h 25 min
